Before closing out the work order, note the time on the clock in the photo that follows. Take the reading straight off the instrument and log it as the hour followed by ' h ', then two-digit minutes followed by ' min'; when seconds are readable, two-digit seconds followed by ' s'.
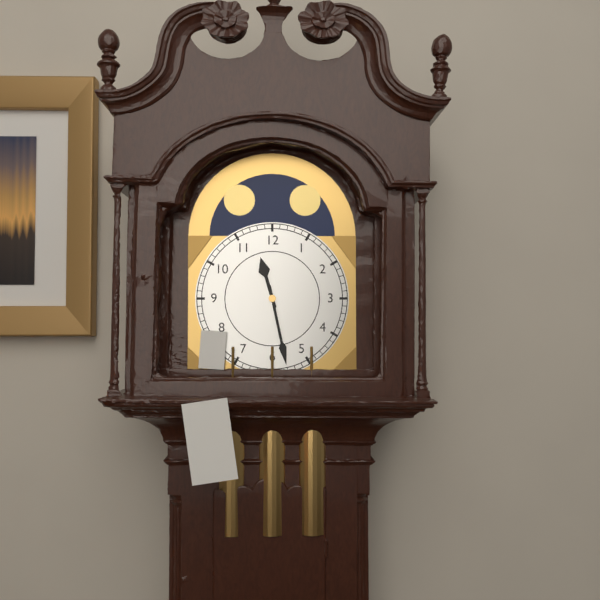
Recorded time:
11 h 28 min
